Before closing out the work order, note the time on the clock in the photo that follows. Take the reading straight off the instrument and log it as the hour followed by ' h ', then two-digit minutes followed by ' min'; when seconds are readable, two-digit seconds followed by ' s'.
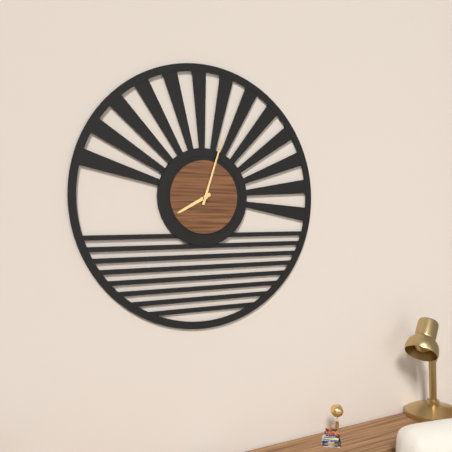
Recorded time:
8 h 03 min
